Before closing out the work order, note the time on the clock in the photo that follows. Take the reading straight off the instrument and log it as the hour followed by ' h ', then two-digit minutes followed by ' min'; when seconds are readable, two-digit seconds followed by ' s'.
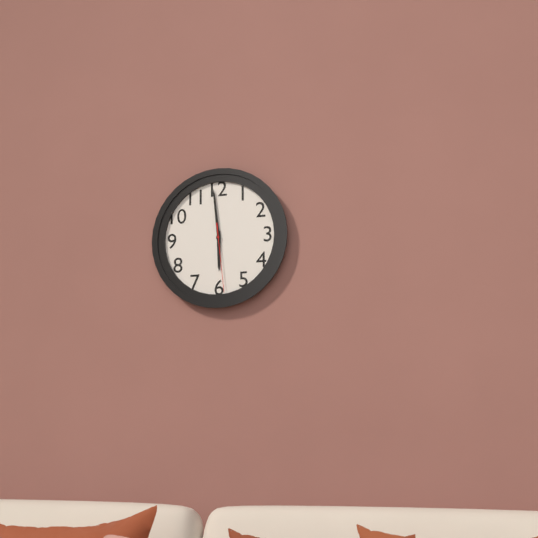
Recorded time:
5 h 59 min 29 s
